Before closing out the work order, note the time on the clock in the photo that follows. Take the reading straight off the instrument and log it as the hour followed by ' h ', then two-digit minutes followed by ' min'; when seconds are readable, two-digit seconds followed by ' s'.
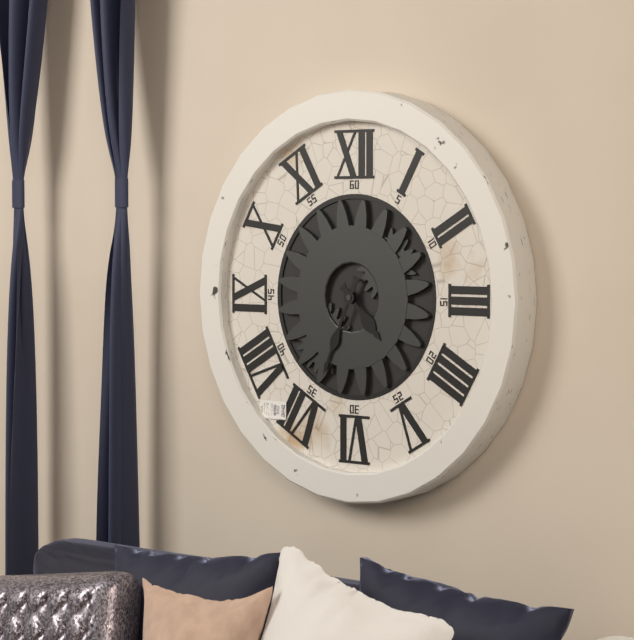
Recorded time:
4 h 34 min
